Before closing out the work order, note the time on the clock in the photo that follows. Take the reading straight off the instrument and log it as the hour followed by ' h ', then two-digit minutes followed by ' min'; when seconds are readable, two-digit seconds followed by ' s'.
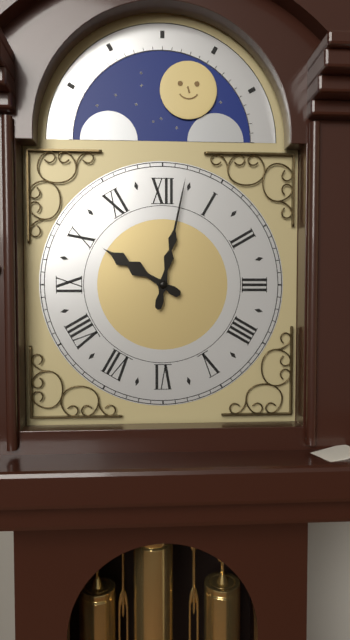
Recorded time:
10 h 02 min
